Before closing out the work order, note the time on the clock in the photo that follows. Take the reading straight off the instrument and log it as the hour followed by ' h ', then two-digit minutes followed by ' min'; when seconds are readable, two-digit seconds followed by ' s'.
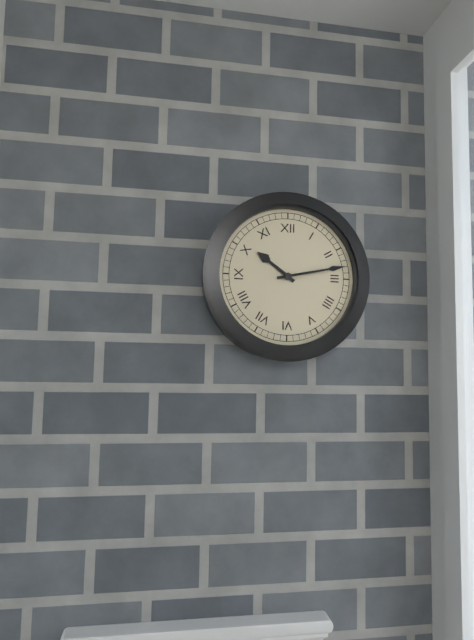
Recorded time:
10 h 13 min
